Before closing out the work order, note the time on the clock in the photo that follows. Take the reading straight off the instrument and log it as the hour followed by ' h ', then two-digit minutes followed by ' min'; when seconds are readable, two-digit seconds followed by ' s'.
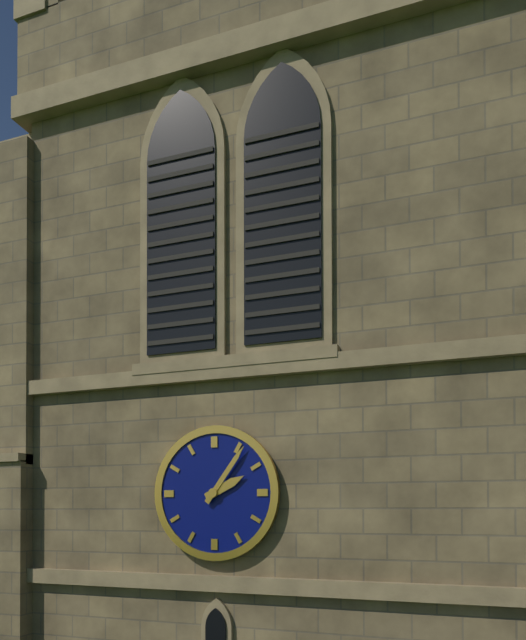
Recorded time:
2 h 06 min
